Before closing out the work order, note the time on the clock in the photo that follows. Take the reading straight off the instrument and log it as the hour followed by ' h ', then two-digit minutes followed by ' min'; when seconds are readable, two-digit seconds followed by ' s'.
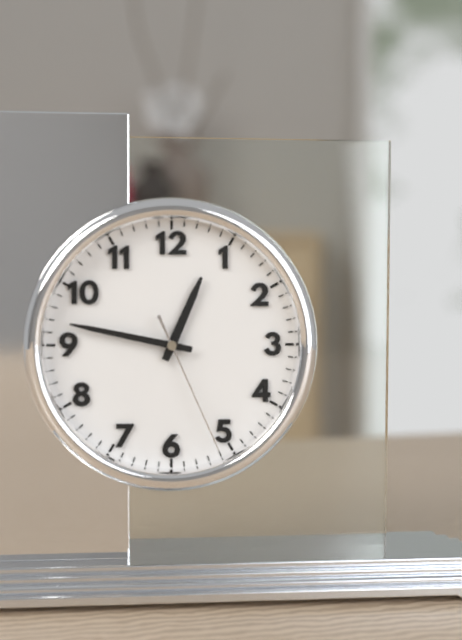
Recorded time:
12 h 47 min 26 s
